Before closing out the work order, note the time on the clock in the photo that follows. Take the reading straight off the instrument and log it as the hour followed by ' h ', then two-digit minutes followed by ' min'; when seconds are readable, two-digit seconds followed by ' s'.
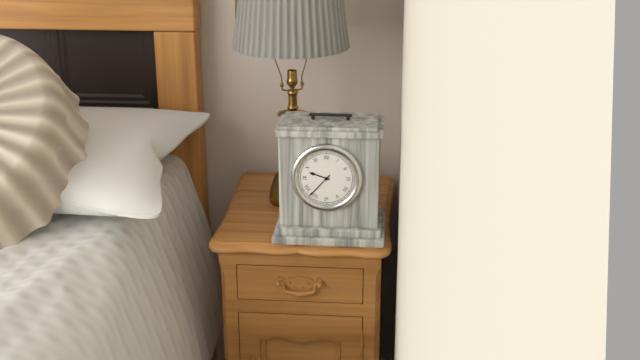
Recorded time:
9 h 37 min
